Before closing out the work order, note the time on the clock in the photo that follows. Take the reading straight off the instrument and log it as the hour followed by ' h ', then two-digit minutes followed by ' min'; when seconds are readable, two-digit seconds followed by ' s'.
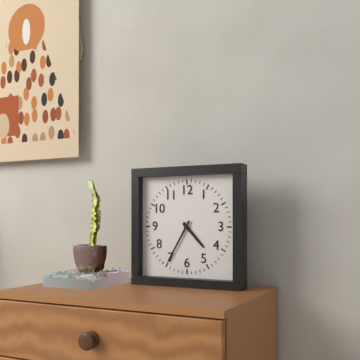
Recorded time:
4 h 35 min
